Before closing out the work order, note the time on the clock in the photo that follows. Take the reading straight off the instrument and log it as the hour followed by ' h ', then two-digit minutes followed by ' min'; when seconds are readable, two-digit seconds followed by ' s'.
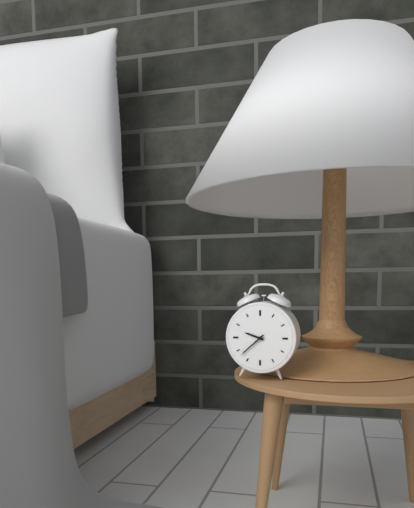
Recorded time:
9 h 38 min
